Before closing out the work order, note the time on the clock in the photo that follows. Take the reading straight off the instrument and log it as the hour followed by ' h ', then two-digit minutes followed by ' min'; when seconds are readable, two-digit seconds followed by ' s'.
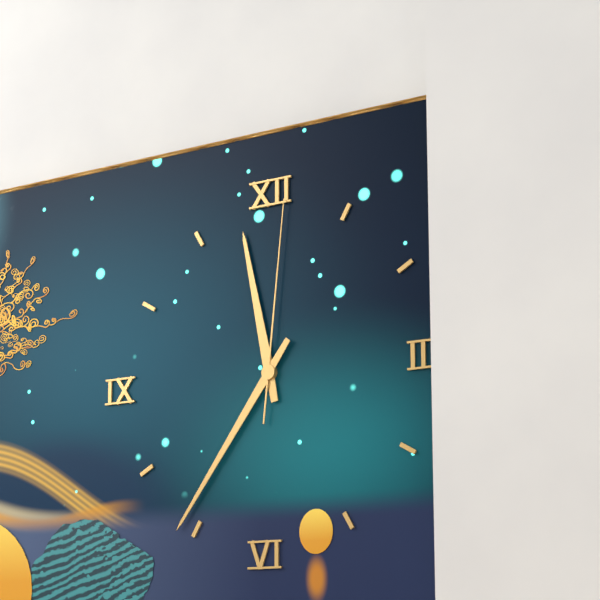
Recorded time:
11 h 36 min 01 s
